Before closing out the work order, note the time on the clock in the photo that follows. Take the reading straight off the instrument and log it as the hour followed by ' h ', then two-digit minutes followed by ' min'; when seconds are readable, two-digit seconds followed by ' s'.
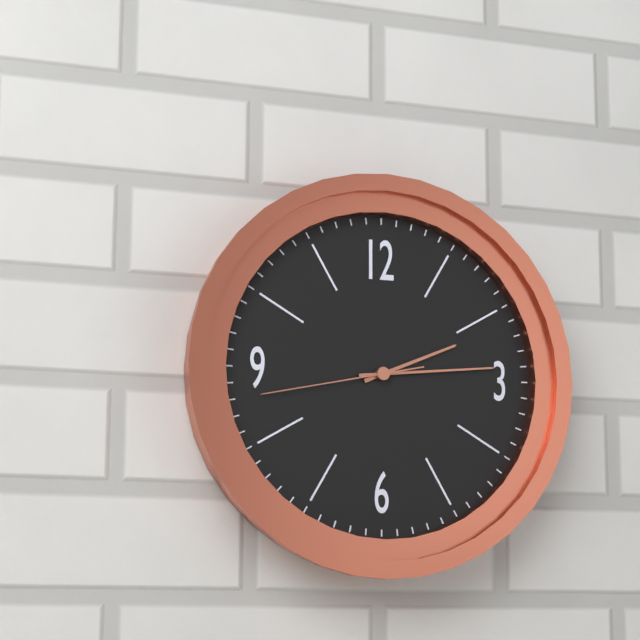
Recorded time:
2 h 14 min 43 s
